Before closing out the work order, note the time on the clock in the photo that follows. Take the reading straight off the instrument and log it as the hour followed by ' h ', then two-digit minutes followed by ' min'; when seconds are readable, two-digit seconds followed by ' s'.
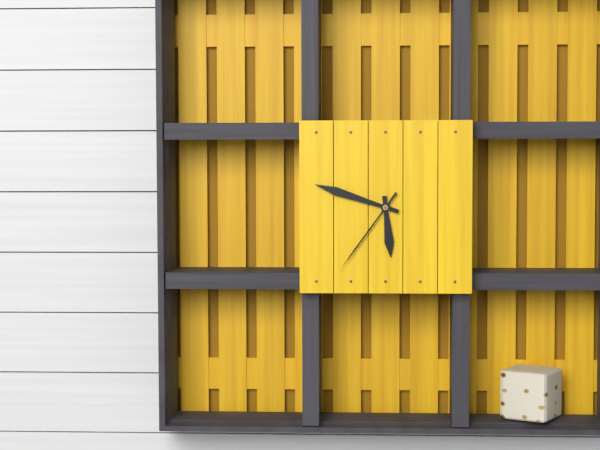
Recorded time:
5 h 48 min 36 s
